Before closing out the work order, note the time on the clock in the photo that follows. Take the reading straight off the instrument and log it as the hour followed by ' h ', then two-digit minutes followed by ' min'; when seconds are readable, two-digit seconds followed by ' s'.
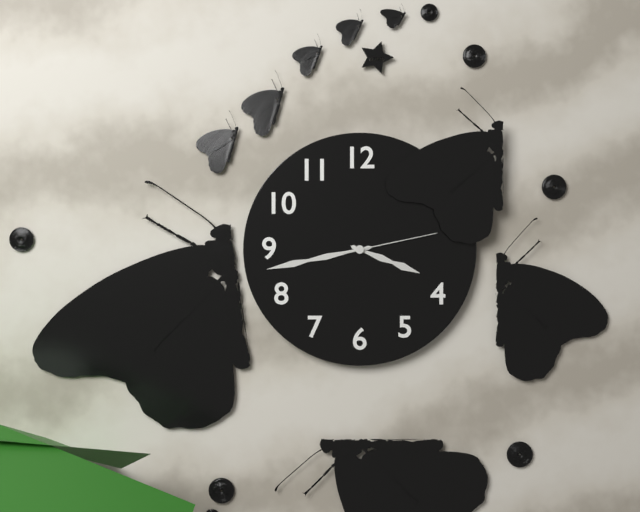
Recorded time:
3 h 43 min 13 s
